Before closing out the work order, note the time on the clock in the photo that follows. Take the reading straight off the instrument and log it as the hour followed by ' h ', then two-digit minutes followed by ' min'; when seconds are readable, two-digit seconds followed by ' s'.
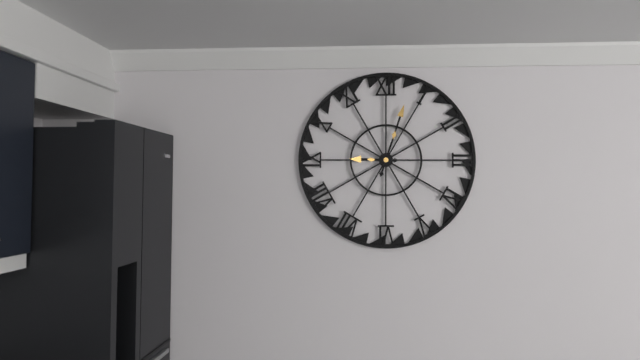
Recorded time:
9 h 03 min
